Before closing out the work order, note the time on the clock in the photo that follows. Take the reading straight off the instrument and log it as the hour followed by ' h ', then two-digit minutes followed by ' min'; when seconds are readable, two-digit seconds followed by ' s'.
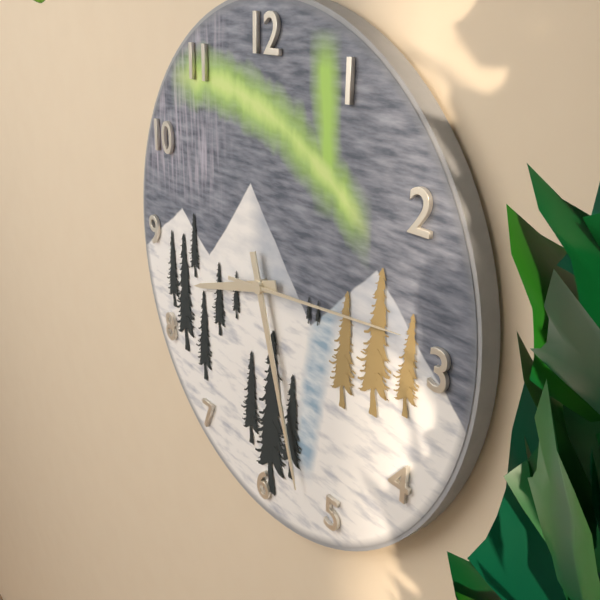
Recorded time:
8 h 27 min 14 s
